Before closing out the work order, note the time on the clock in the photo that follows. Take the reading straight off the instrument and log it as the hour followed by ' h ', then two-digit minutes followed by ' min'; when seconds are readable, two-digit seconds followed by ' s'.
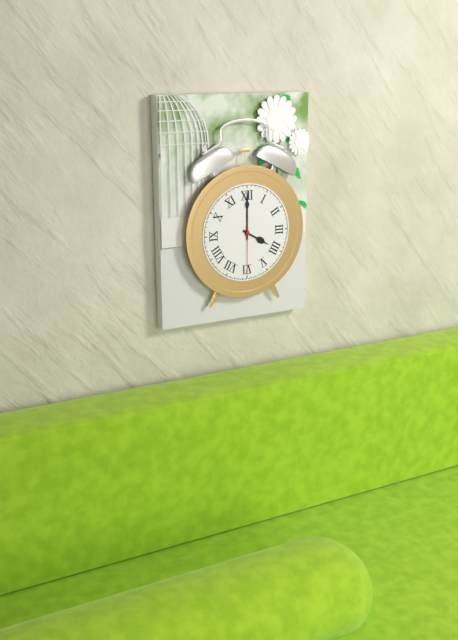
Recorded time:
4 h 00 min 30 s
